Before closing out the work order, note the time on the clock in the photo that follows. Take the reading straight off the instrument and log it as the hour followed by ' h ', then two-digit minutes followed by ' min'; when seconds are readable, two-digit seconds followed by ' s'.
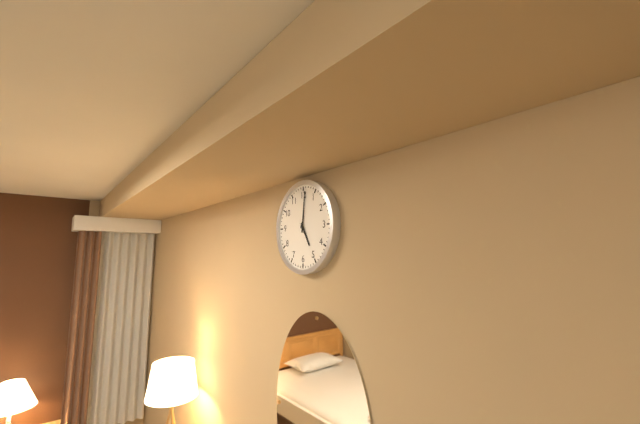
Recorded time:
5 h 01 min
